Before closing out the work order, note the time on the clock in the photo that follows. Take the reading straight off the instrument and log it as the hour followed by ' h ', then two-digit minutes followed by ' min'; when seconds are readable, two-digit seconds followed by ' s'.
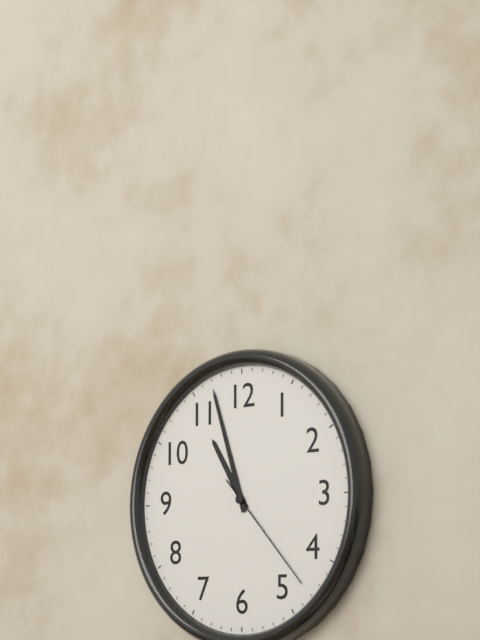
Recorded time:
10 h 57 min 23 s
